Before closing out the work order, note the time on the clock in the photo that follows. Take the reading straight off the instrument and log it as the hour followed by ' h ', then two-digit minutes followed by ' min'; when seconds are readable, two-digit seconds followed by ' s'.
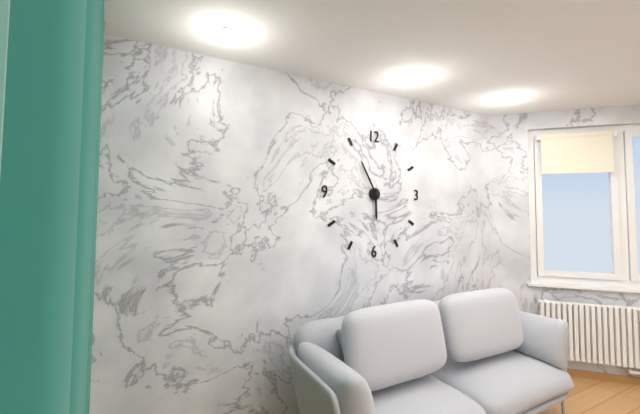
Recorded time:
5 h 55 min
